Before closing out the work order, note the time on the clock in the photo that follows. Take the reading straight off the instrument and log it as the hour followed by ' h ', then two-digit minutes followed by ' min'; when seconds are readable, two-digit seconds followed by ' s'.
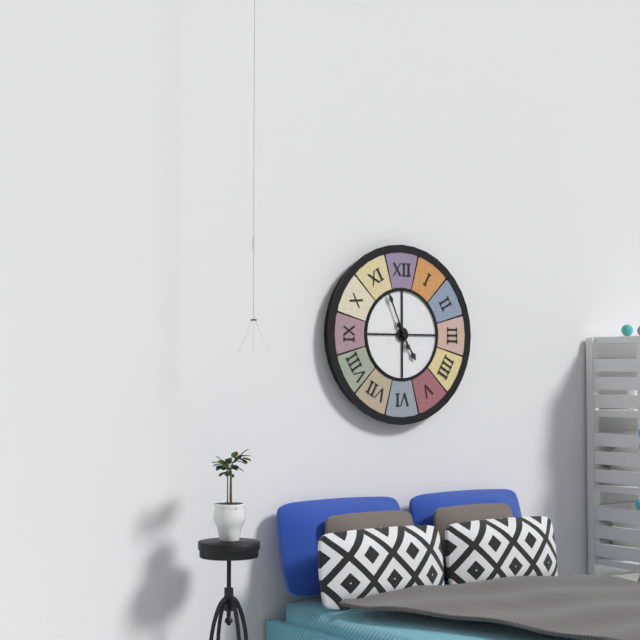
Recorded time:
4 h 56 min
